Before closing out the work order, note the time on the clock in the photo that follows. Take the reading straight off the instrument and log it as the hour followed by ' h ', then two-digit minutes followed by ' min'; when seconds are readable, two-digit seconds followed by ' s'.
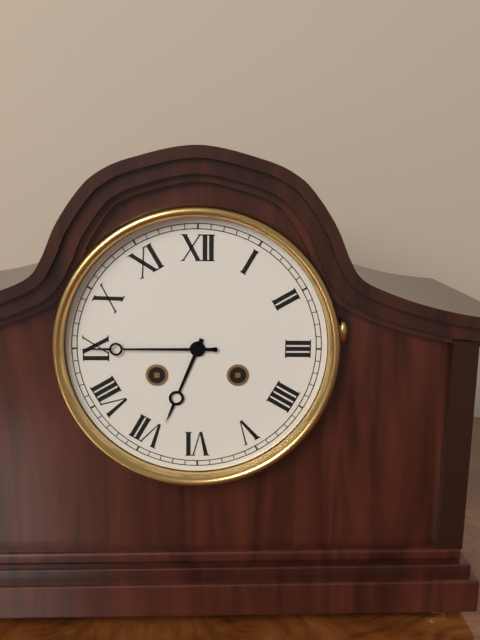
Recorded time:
6 h 45 min
